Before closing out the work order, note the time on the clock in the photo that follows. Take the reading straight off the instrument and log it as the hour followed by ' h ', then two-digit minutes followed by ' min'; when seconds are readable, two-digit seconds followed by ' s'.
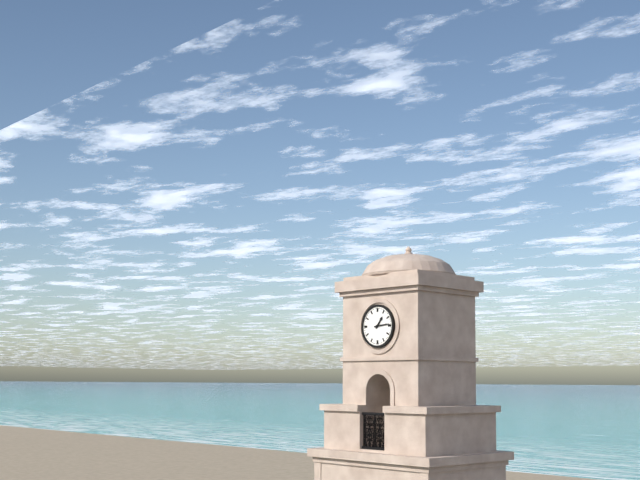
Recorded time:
1 h 14 min
